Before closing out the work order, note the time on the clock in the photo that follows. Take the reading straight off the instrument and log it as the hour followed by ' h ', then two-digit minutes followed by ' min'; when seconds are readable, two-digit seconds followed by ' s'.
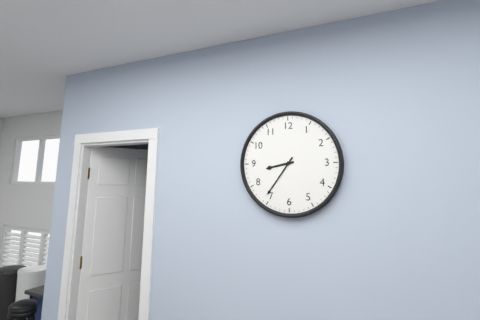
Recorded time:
8 h 36 min
